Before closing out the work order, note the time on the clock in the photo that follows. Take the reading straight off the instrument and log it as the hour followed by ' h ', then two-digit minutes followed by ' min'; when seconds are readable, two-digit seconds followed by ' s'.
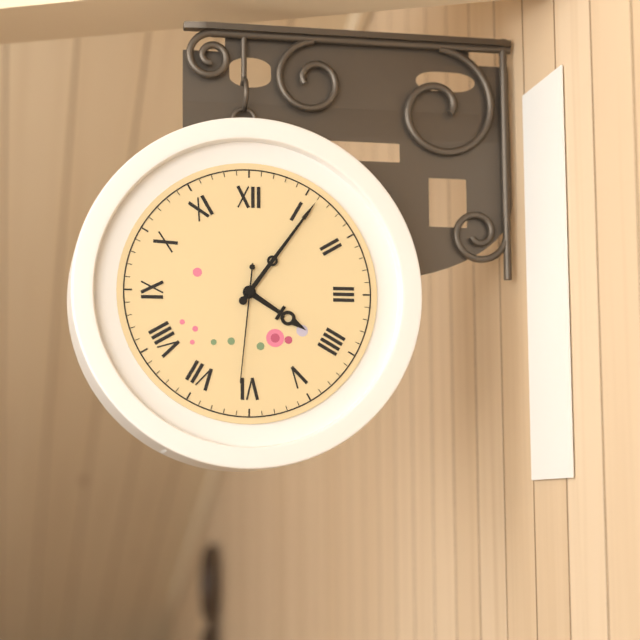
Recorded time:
4 h 06 min 31 s
